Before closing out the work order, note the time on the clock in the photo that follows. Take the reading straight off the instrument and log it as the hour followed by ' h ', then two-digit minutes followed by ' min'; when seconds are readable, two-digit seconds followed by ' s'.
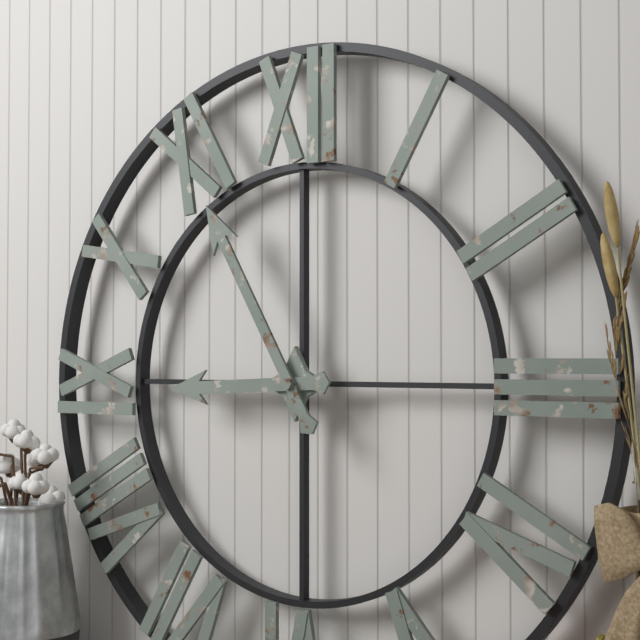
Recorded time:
8 h 55 min
